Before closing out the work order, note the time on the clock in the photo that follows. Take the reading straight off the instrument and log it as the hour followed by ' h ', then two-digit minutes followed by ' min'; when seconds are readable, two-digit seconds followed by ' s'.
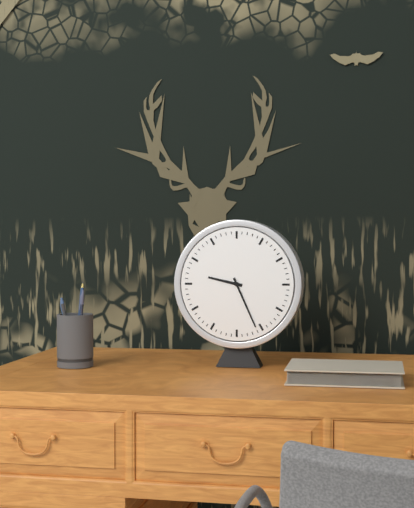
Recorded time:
9 h 26 min
